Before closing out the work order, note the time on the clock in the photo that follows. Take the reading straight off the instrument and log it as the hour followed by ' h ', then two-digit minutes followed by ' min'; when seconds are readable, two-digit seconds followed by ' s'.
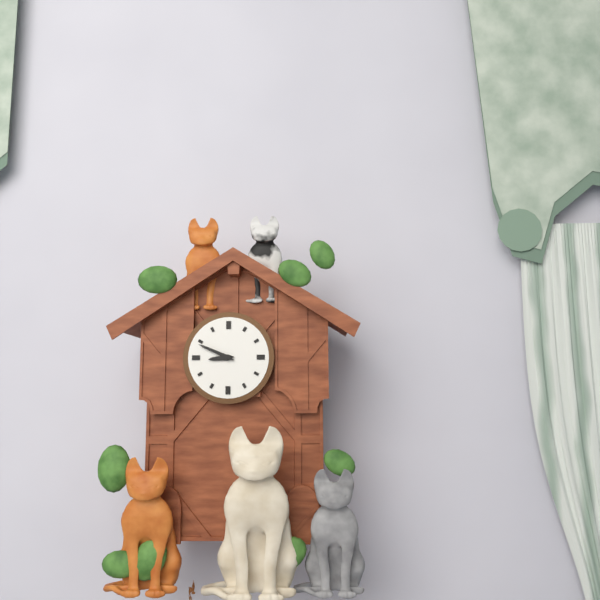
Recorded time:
8 h 49 min
